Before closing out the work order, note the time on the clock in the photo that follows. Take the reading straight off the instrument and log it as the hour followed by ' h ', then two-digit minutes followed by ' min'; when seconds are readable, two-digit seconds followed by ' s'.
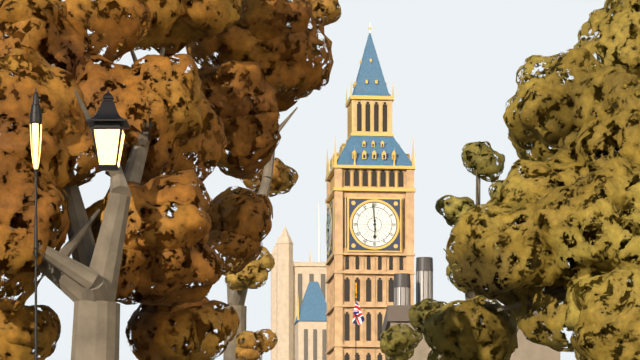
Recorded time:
5 h 59 min
